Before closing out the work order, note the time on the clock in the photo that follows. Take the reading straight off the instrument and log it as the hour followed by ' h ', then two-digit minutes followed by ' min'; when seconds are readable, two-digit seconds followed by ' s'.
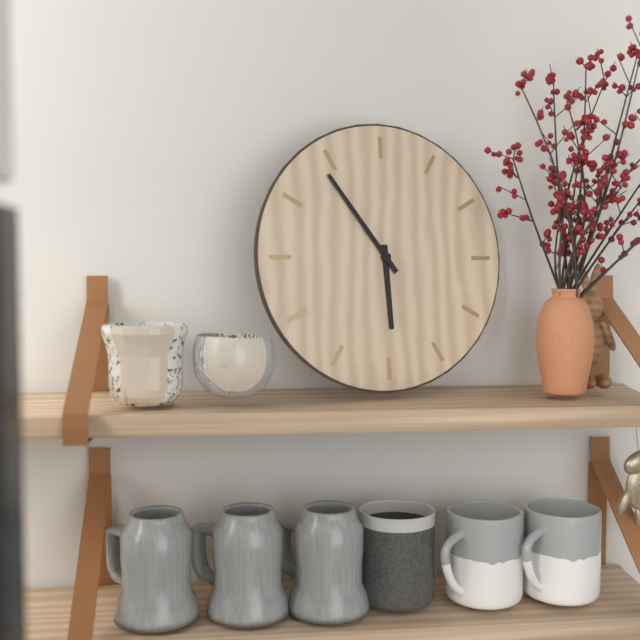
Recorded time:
5 h 54 min
